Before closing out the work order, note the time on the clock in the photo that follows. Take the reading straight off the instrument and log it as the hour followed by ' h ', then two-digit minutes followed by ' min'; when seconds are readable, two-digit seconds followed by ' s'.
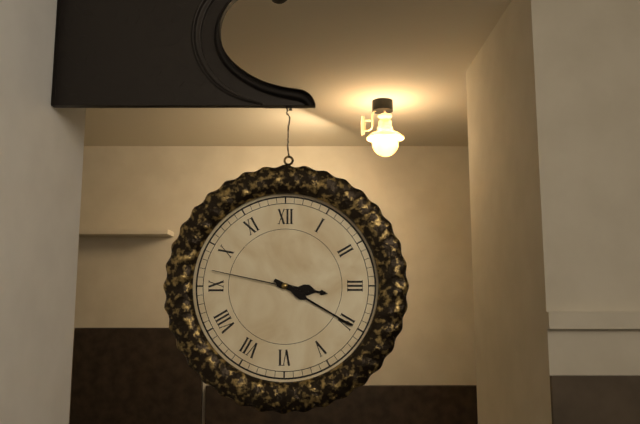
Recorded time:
3 h 20 min 47 s
